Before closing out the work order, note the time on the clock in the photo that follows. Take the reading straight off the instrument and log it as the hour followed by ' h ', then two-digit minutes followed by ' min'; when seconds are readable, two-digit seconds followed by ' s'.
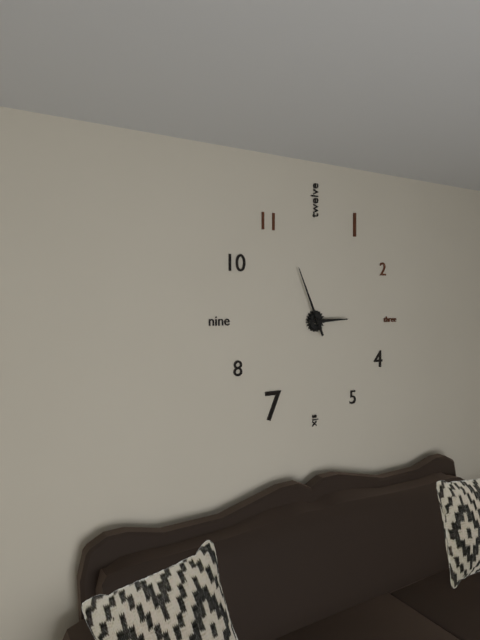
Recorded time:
2 h 56 min
